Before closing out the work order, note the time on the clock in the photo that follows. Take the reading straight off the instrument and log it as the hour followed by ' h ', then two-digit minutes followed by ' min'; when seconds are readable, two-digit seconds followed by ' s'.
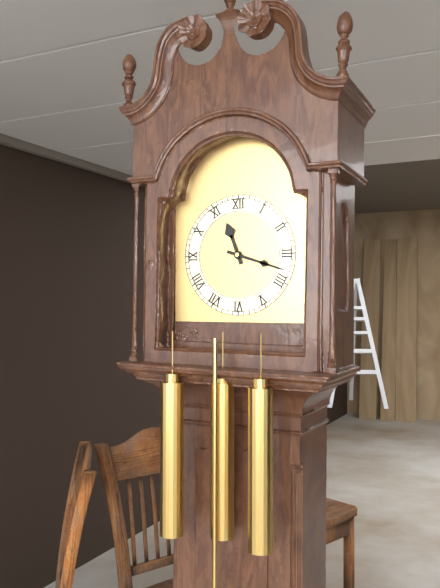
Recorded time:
11 h 18 min
